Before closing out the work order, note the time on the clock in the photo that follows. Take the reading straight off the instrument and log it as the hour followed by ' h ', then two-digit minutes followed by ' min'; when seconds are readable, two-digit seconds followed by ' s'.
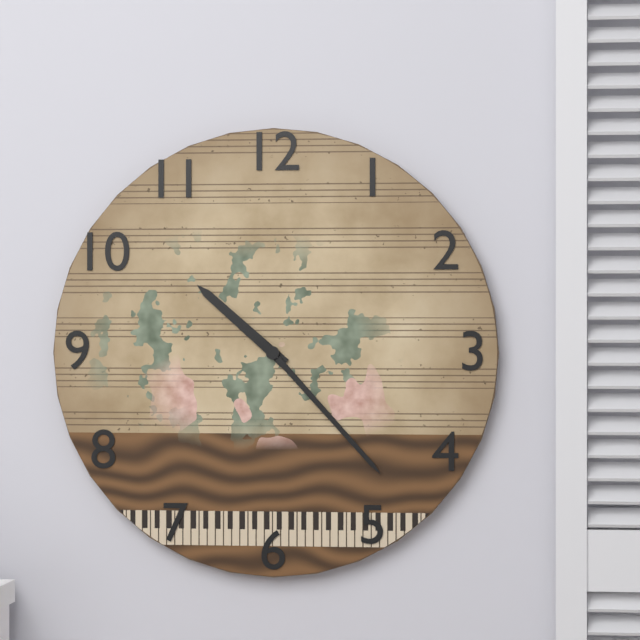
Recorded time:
10 h 23 min
